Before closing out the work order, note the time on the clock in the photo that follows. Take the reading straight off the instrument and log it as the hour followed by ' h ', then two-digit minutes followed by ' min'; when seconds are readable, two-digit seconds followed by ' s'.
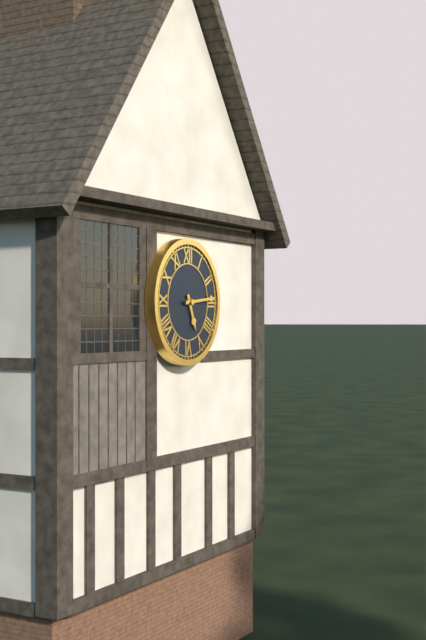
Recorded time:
5 h 14 min
